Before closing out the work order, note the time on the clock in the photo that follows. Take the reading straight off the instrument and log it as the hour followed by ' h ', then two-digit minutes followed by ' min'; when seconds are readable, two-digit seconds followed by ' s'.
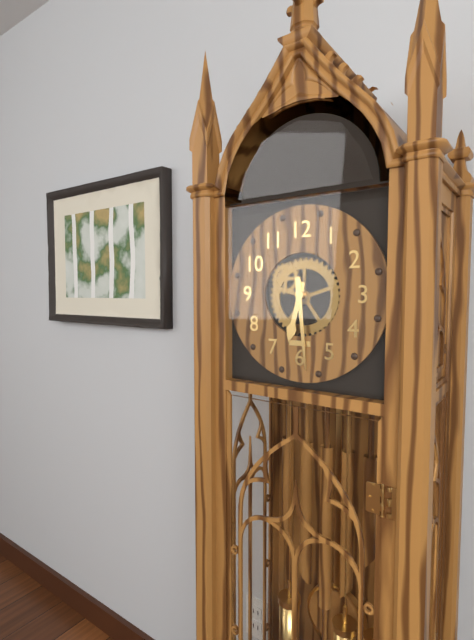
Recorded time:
6 h 29 min
